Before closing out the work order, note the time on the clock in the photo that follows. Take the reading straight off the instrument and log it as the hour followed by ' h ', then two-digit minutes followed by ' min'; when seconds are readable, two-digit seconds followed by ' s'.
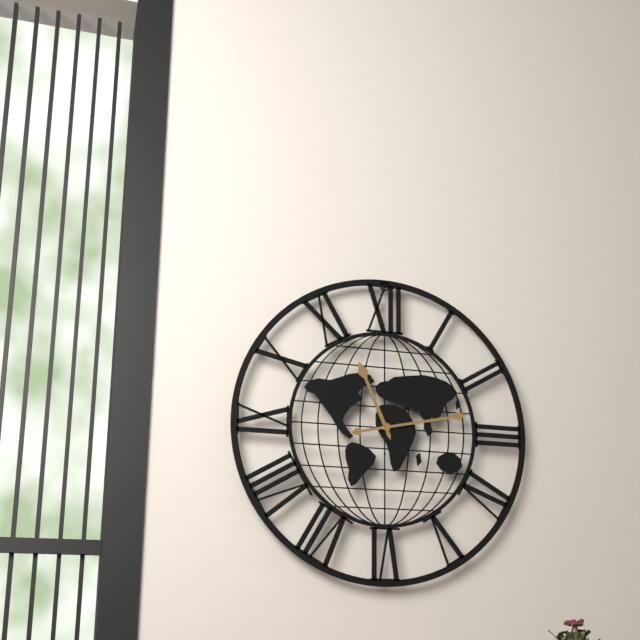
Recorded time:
11 h 13 min
